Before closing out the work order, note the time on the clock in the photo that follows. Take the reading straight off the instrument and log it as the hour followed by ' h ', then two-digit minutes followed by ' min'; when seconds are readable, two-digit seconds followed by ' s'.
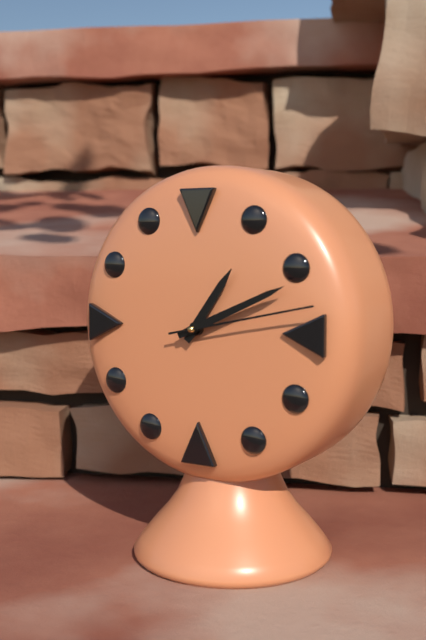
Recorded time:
1 h 11 min 13 s
